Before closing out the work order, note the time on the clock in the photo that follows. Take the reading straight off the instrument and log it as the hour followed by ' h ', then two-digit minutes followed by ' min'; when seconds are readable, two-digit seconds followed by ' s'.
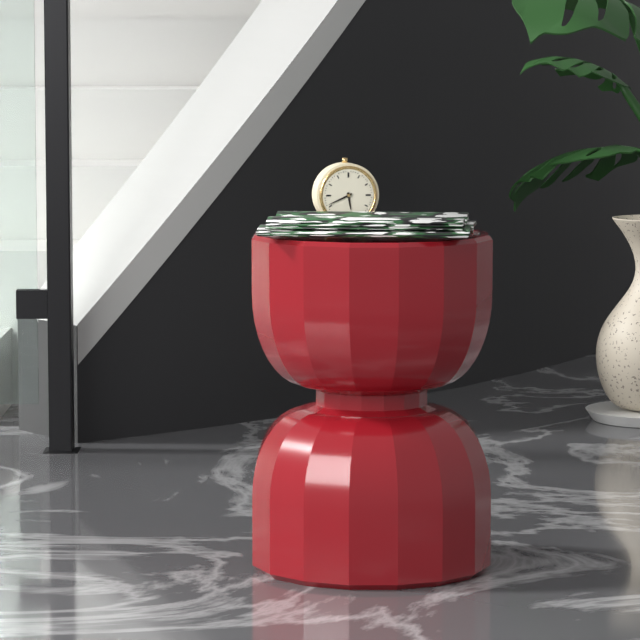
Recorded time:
5 h 41 min
